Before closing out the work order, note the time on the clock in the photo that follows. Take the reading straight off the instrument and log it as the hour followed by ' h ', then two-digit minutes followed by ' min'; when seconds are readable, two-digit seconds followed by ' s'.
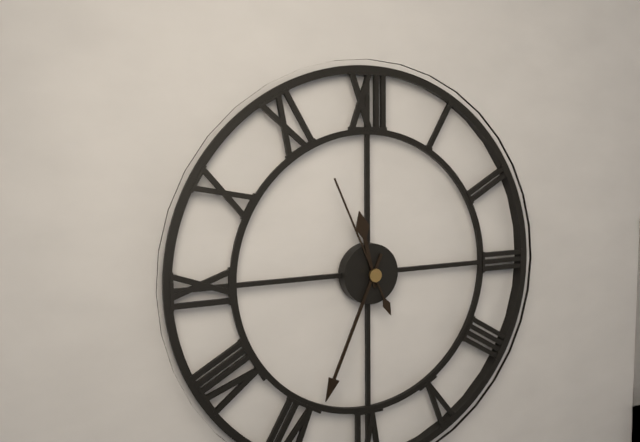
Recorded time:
11 h 34 min 56 s
